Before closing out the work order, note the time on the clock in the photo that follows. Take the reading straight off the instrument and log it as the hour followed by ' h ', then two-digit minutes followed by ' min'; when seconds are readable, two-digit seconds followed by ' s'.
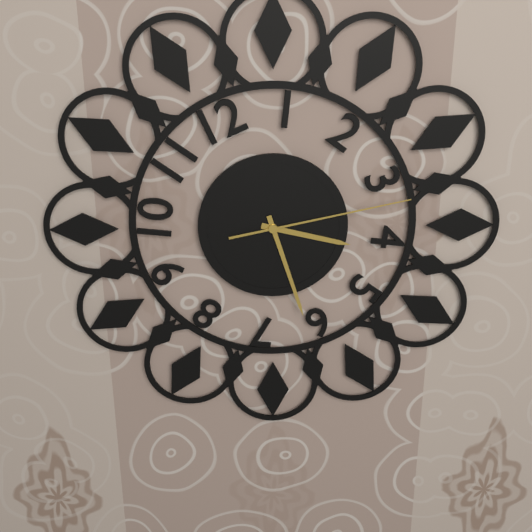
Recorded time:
3 h 27 min 13 s
